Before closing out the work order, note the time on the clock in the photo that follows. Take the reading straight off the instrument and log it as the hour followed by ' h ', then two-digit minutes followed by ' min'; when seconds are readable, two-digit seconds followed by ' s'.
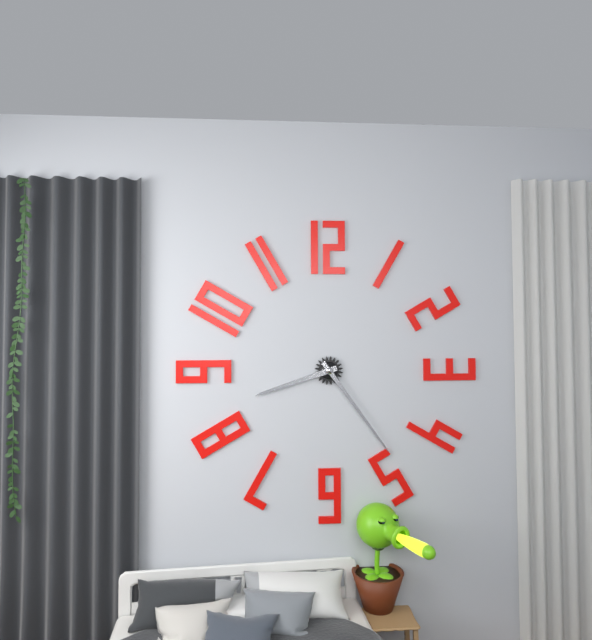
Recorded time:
8 h 24 min
